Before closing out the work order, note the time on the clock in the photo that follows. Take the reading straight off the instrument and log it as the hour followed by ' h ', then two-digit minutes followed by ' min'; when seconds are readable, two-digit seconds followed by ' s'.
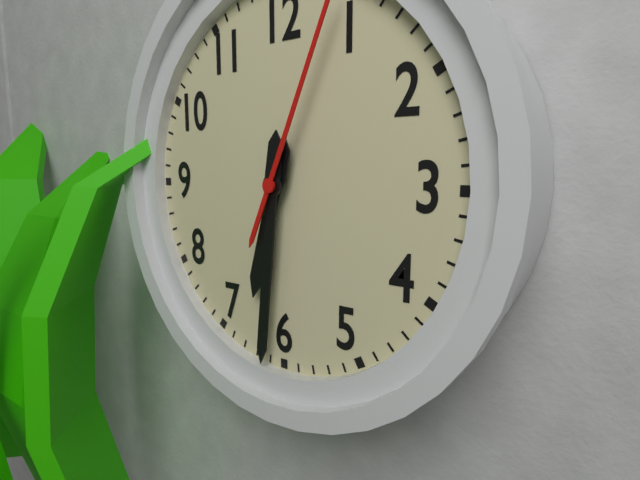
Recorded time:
6 h 31 min
